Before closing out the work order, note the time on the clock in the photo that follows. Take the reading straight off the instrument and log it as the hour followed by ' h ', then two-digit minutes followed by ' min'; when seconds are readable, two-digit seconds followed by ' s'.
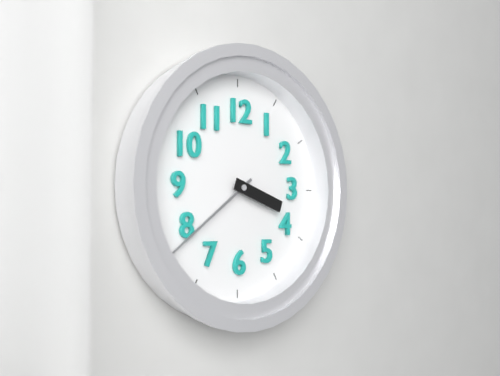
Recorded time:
3 h 39 min
